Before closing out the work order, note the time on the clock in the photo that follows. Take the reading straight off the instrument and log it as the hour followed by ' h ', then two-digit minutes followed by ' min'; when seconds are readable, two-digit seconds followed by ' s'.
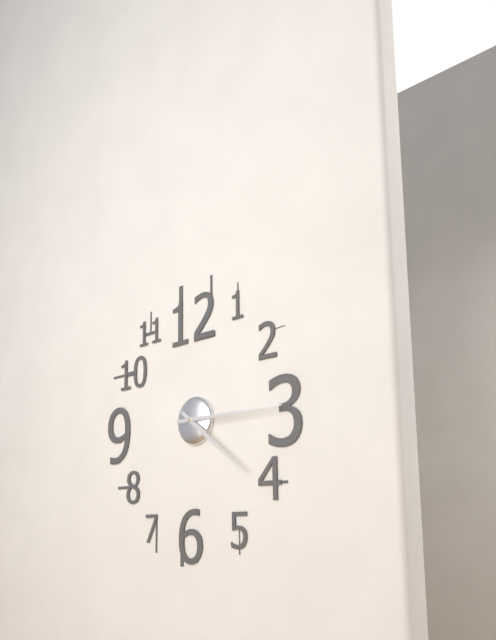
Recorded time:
4 h 15 min
